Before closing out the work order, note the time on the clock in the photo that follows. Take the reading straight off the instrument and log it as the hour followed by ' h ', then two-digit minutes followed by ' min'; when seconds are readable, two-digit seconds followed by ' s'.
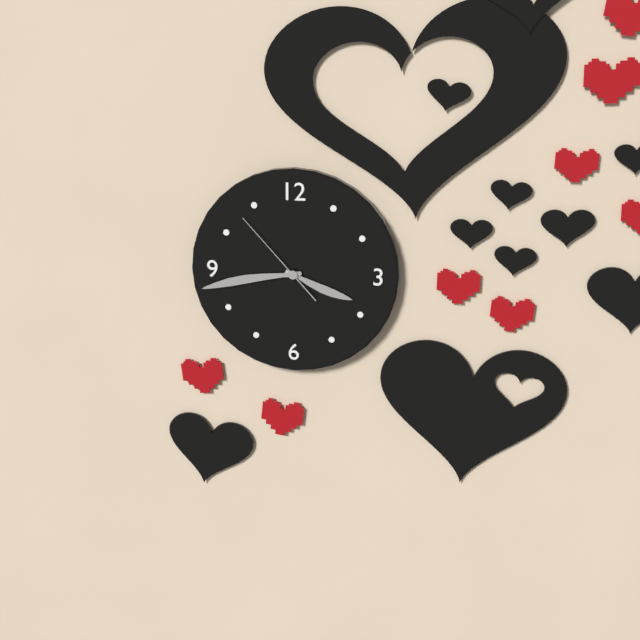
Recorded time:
3 h 43 min 53 s
